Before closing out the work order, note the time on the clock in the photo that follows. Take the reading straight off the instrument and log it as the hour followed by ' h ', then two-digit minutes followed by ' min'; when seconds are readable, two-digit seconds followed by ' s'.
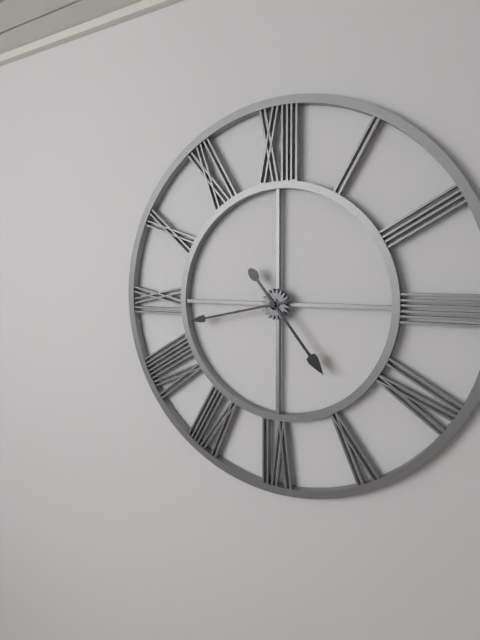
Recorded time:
4 h 43 min
